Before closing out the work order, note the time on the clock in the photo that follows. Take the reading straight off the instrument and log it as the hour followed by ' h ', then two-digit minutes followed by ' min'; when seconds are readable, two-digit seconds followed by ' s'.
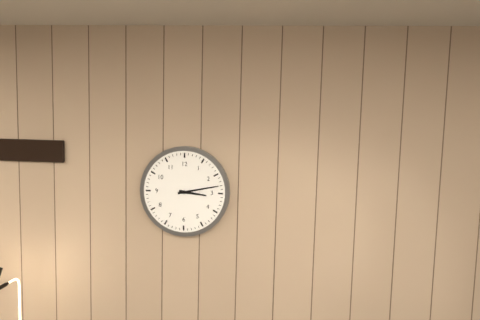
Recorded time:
3 h 13 min
